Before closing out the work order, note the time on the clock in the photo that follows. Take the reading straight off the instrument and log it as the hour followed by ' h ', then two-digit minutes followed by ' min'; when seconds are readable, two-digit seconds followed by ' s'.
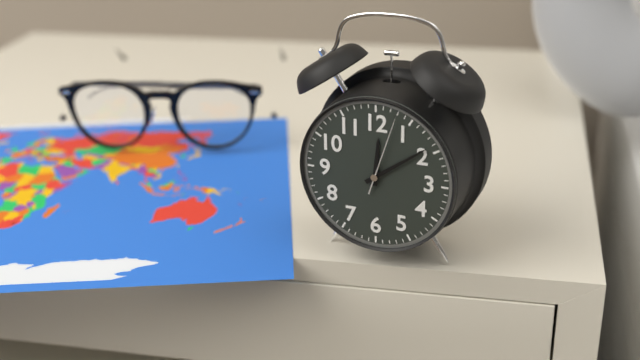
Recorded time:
12 h 09 min 03 s
